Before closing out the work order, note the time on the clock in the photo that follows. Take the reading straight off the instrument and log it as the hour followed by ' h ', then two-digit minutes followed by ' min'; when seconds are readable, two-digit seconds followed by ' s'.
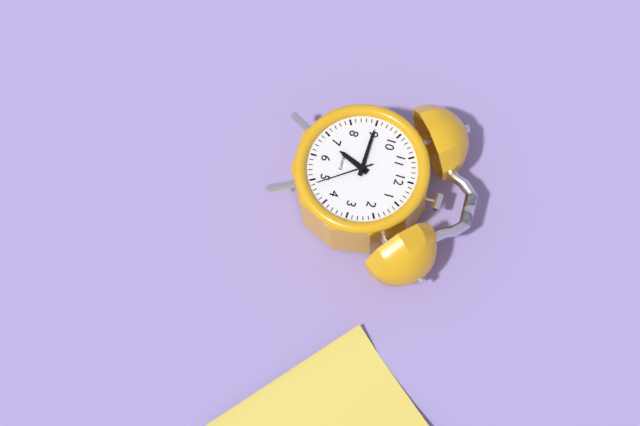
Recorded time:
6 h 45 min 24 s
